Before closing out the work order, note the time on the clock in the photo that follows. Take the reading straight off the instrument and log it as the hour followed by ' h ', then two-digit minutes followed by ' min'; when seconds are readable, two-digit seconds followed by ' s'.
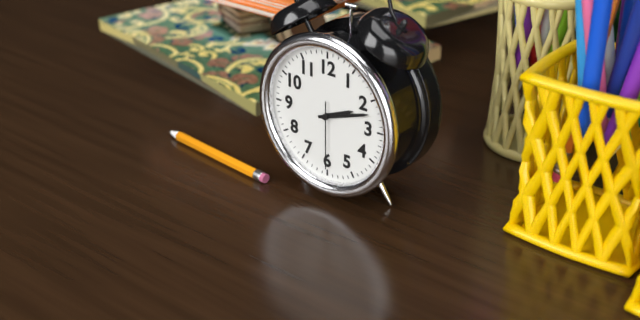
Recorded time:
2 h 12 min 30 s
